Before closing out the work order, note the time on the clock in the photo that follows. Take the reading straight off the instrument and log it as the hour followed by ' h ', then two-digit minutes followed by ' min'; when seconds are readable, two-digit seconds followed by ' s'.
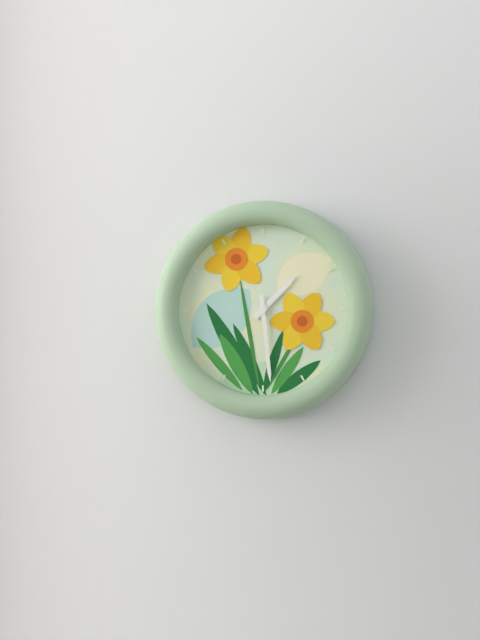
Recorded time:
1 h 29 min
